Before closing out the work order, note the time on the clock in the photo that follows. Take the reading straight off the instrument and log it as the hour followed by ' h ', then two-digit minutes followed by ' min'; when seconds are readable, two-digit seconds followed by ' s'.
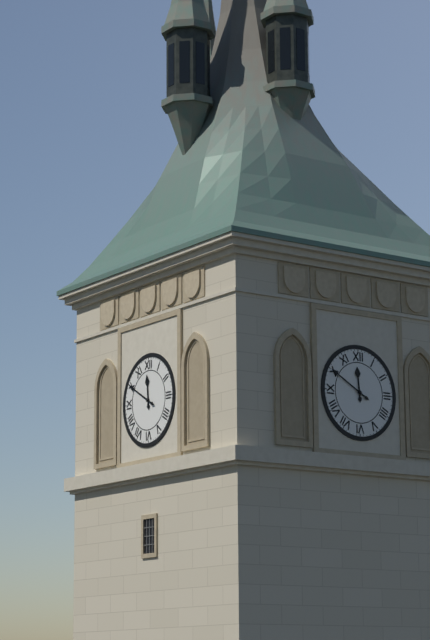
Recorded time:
11 h 50 min
